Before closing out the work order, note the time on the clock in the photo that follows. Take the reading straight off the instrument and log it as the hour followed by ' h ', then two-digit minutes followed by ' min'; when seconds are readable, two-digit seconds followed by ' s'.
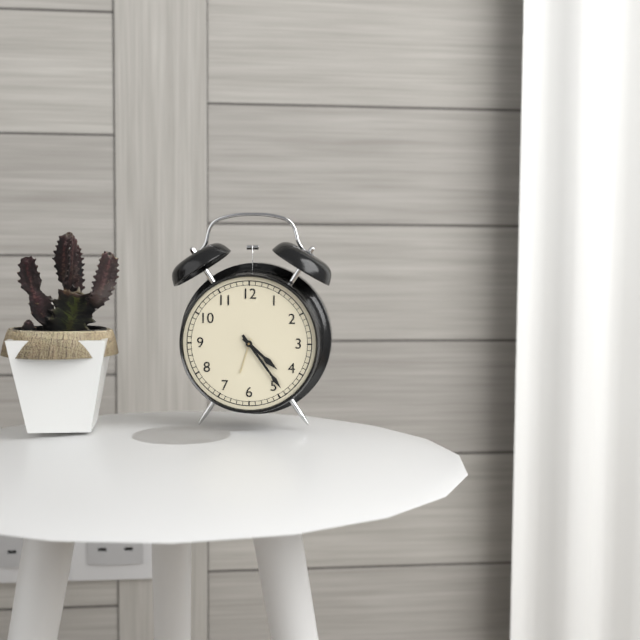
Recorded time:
4 h 24 min
